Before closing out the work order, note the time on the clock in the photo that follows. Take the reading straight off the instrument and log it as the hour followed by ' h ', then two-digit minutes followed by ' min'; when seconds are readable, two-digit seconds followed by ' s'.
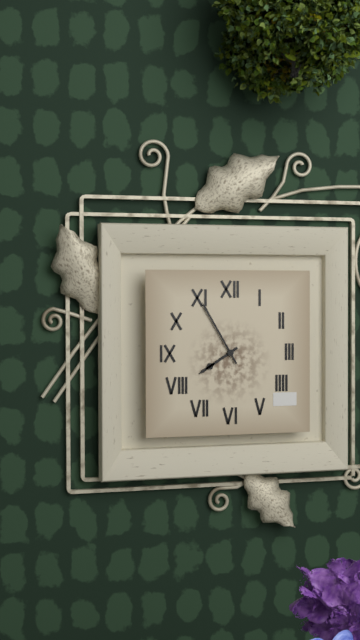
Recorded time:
7 h 55 min
